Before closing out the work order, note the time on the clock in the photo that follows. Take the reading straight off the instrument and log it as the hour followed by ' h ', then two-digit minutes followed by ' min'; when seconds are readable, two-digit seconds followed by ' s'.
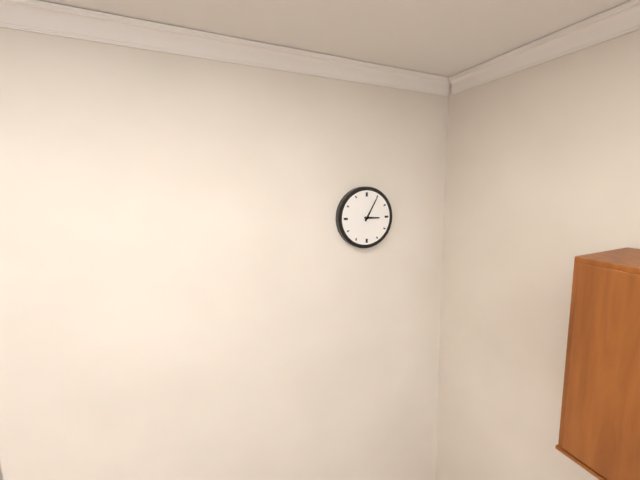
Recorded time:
3 h 05 min
